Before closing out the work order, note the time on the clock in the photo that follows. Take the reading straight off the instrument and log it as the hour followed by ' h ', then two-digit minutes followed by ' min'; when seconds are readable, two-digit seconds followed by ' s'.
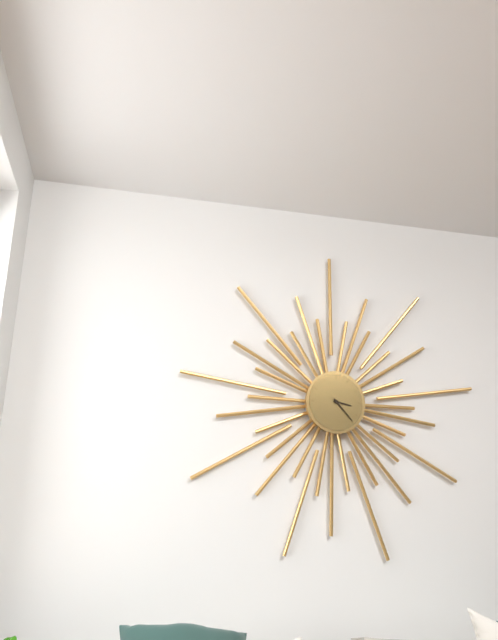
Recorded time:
3 h 23 min
